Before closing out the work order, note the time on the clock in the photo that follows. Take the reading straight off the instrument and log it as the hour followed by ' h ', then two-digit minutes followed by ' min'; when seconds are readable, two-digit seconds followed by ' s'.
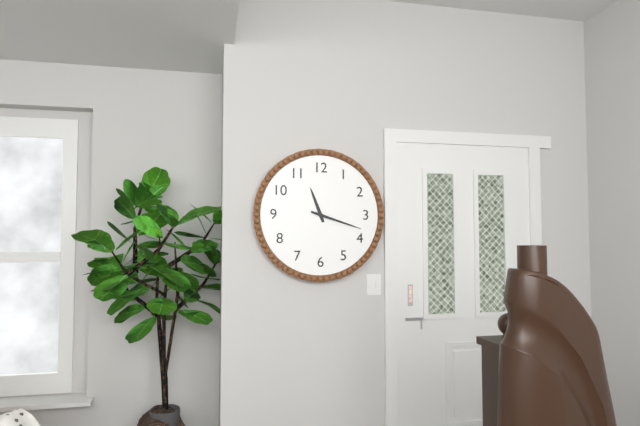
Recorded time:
11 h 18 min
